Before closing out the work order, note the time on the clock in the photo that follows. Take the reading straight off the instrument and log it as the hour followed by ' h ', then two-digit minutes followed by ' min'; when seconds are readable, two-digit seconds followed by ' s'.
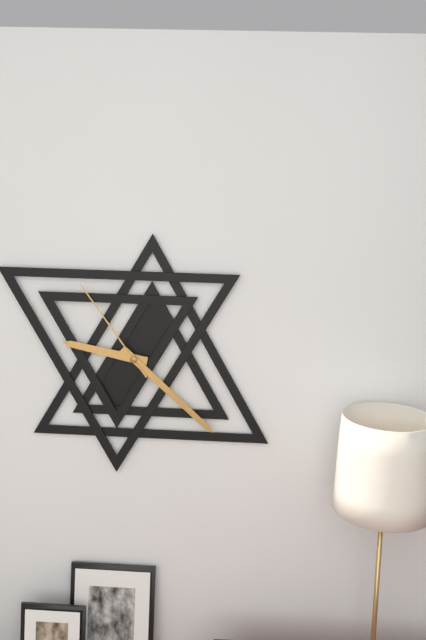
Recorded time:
9 h 22 min 54 s
